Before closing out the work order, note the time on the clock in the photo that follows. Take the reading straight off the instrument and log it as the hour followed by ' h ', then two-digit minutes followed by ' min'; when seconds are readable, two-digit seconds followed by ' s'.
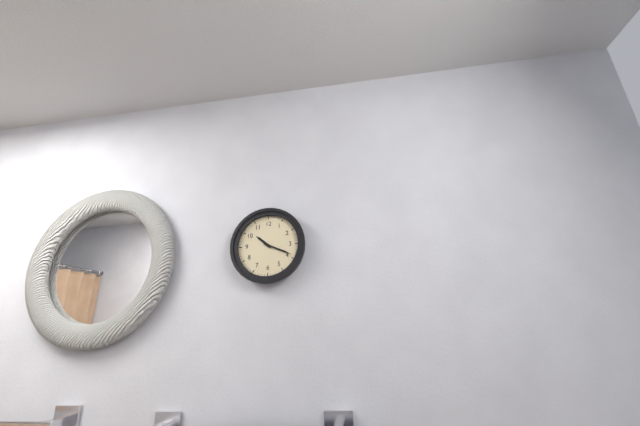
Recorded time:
10 h 19 min
